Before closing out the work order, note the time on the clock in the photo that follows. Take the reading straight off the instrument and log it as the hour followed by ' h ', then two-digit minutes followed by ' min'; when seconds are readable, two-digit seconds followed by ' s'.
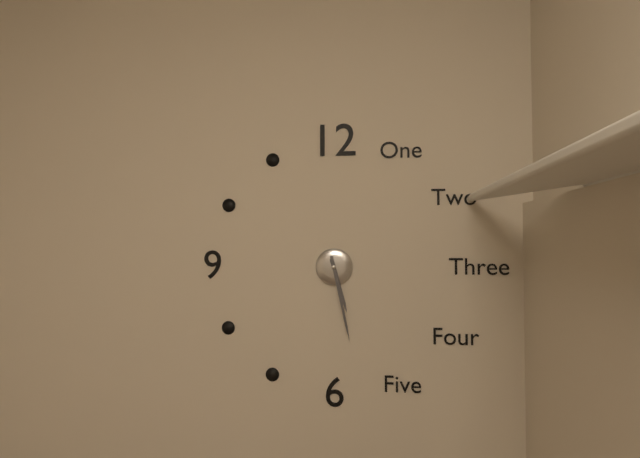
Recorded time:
5 h 28 min
